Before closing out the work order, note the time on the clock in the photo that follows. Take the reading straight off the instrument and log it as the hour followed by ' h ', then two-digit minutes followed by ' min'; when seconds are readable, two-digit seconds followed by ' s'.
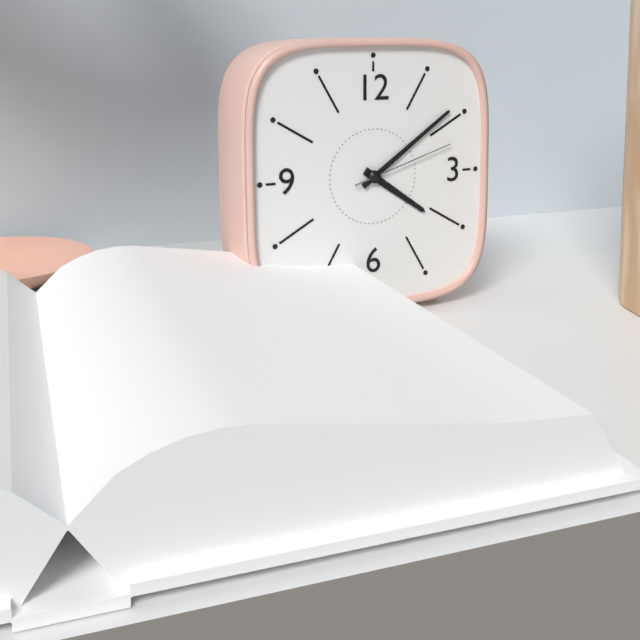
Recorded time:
4 h 09 min 12 s
